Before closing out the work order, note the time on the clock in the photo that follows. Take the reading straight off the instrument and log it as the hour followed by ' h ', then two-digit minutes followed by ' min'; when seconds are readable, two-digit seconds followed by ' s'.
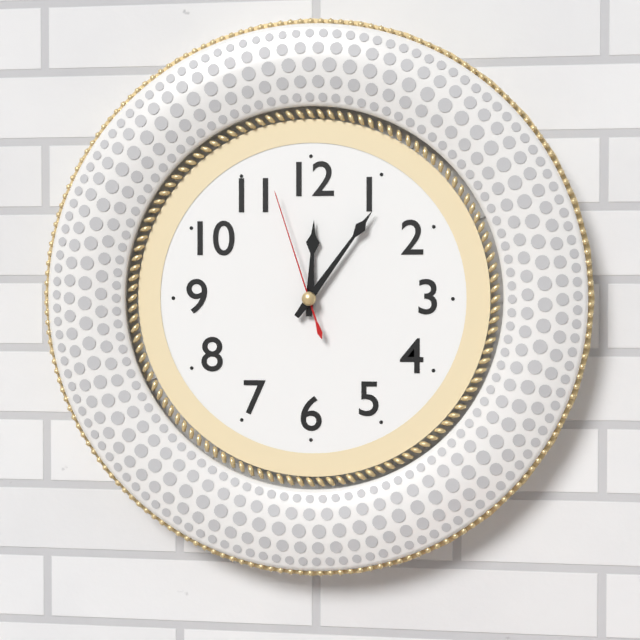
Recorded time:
12 h 06 min 57 s
